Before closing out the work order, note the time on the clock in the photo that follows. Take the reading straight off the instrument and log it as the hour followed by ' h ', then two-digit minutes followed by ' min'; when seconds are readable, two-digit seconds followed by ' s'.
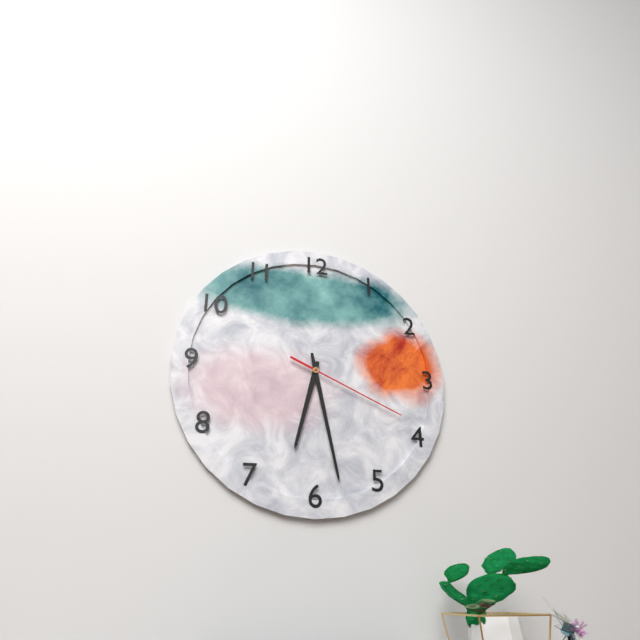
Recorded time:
6 h 28 min 19 s
